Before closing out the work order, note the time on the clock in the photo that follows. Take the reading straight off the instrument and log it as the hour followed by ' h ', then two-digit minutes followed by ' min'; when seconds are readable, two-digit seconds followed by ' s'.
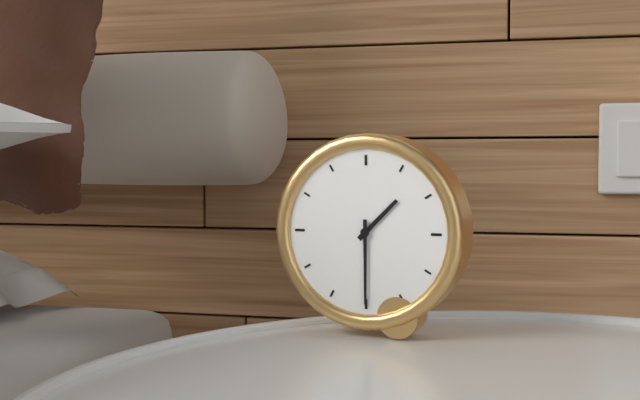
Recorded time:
1 h 30 min
